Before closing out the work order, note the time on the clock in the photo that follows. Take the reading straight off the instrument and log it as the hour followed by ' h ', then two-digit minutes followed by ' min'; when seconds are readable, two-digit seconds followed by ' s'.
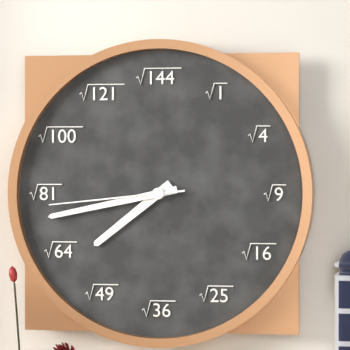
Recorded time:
7 h 43 min 44 s
